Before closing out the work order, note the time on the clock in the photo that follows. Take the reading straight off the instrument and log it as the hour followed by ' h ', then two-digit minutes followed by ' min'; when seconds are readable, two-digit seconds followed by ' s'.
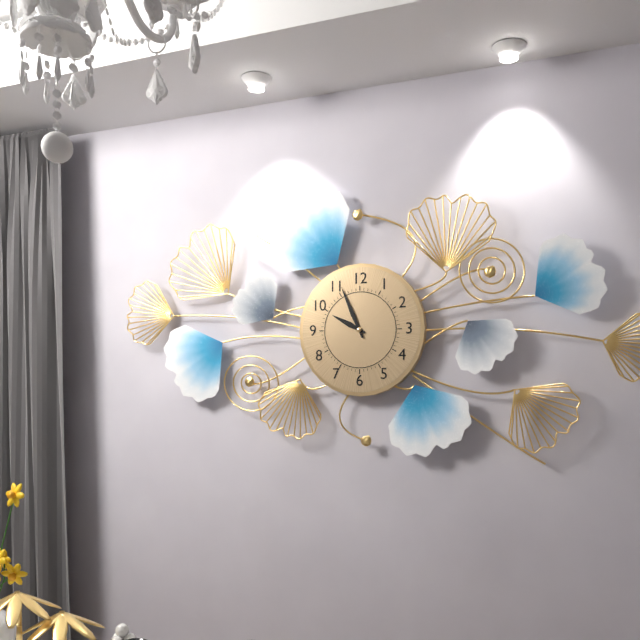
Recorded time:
9 h 56 min
